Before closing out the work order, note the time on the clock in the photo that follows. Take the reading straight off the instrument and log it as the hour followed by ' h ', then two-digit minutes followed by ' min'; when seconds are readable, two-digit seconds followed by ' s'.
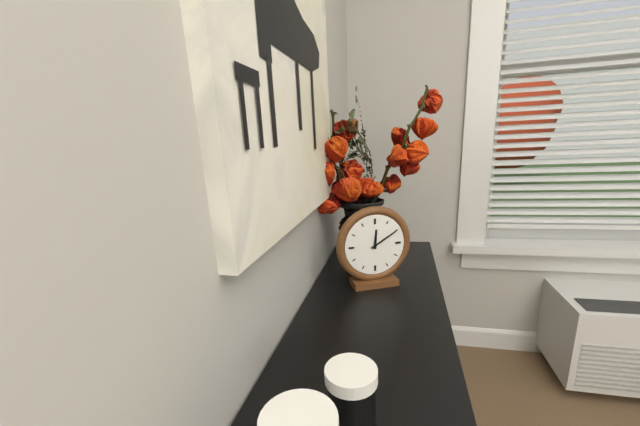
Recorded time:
12 h 10 min
